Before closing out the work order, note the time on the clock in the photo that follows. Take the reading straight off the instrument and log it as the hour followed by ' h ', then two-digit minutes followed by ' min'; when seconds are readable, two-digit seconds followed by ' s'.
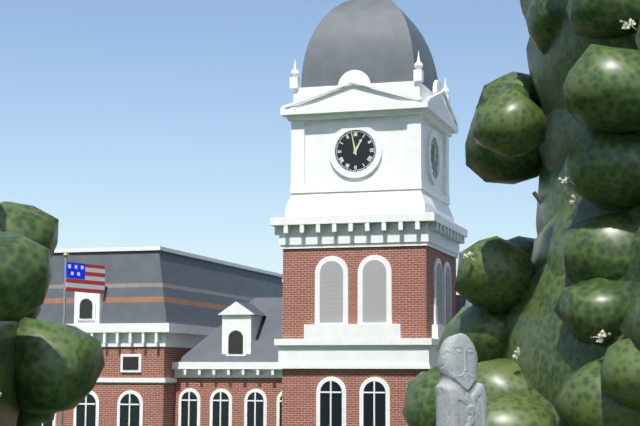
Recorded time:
12 h 58 min
